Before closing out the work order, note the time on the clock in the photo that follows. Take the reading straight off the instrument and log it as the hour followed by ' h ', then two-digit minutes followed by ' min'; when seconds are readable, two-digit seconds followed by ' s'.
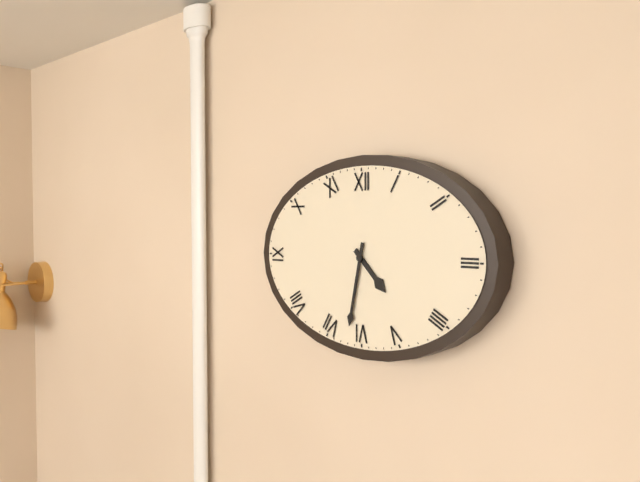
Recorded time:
4 h 32 min
